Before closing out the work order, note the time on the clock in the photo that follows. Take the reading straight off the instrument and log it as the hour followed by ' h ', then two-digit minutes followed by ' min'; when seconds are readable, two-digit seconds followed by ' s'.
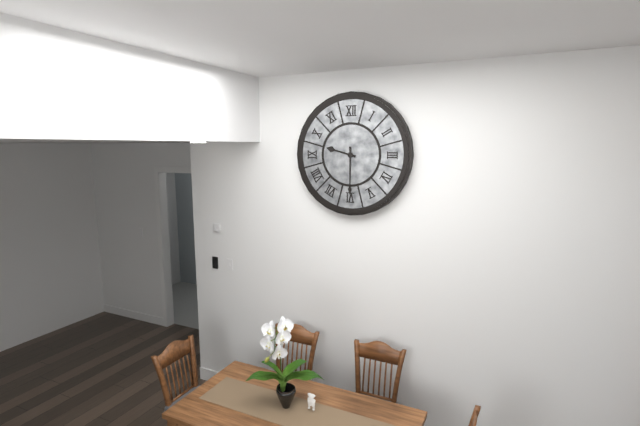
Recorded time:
9 h 30 min
